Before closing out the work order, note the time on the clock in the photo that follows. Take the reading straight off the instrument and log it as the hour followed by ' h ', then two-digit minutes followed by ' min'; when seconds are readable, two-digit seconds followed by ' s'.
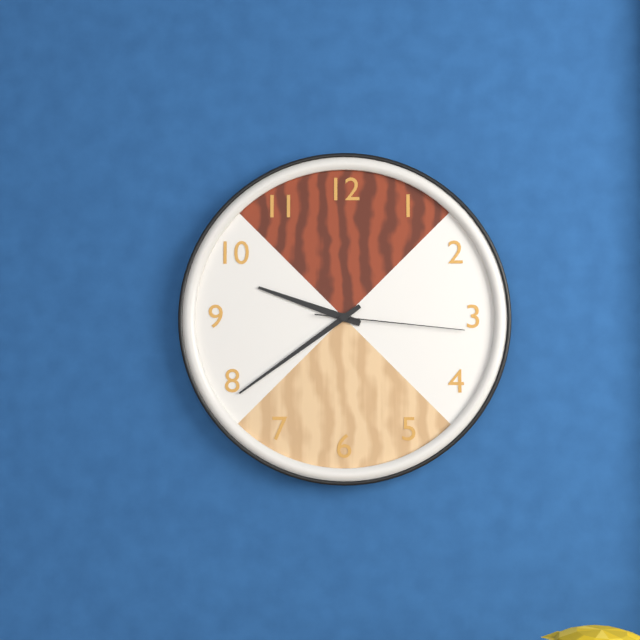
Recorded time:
9 h 39 min 16 s
